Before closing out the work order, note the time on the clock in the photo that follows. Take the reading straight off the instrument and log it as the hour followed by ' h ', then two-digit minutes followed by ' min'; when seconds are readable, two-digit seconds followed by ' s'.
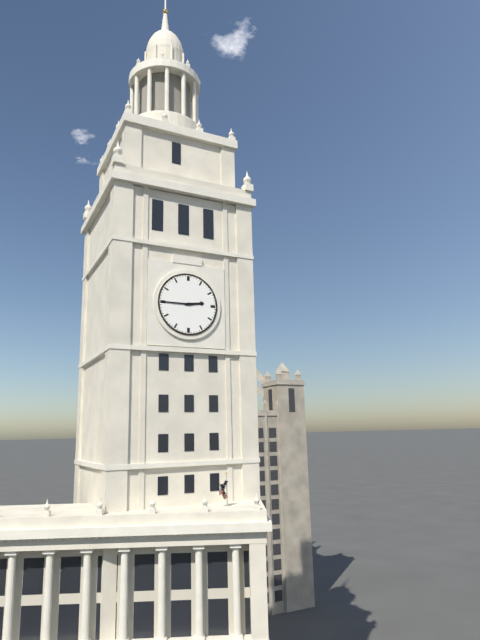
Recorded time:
2 h 45 min
